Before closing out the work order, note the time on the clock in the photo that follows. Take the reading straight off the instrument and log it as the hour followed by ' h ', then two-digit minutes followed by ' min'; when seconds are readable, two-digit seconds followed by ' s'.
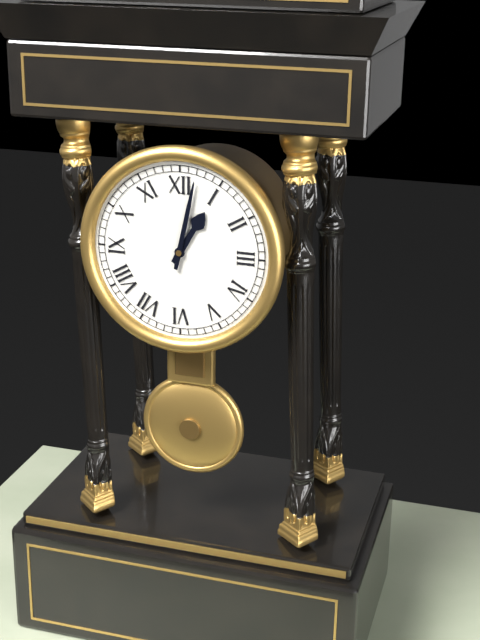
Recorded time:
1 h 02 min
